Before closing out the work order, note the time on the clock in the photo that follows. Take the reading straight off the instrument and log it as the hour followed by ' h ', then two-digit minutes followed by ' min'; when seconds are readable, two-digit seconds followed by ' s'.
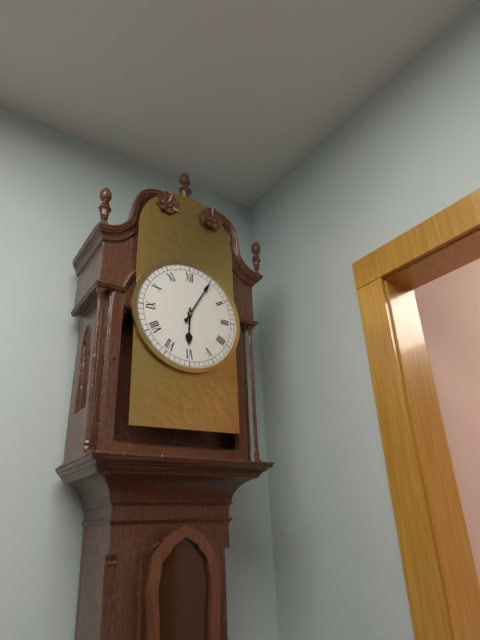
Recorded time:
6 h 05 min
